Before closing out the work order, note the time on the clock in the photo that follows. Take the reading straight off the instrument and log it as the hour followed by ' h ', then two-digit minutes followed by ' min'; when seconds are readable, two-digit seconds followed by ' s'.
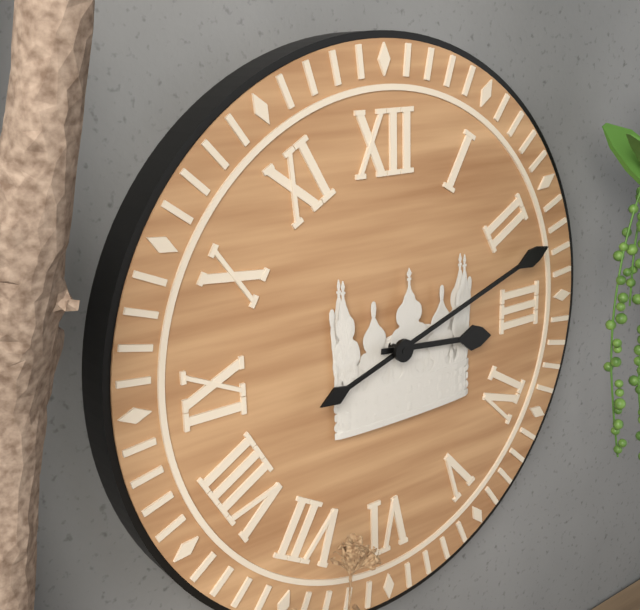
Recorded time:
3 h 12 min
